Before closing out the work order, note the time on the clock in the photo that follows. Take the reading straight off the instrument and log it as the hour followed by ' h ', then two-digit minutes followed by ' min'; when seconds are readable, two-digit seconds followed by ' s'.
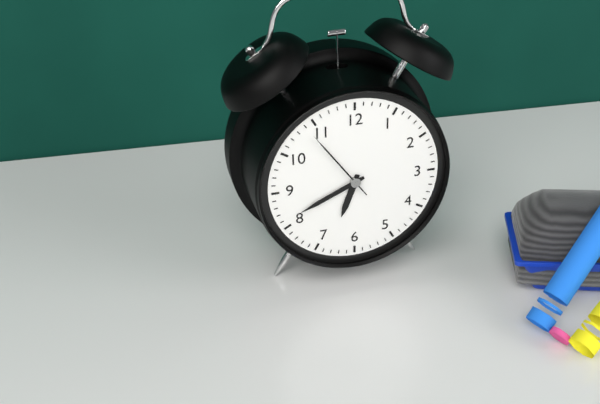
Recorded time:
6 h 41 min 54 s
